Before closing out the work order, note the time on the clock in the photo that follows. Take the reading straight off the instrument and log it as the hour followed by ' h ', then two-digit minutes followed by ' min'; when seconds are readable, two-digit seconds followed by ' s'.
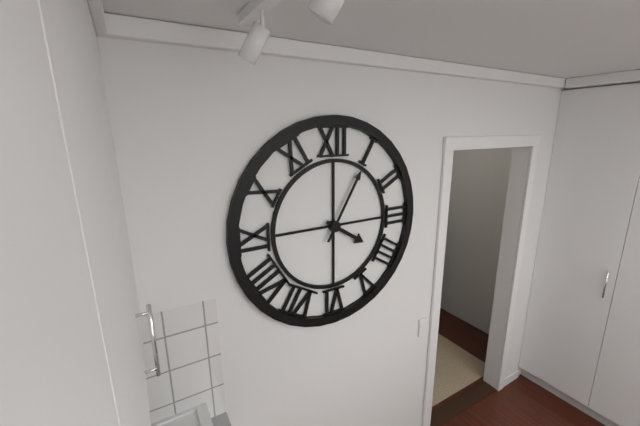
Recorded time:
4 h 05 min
